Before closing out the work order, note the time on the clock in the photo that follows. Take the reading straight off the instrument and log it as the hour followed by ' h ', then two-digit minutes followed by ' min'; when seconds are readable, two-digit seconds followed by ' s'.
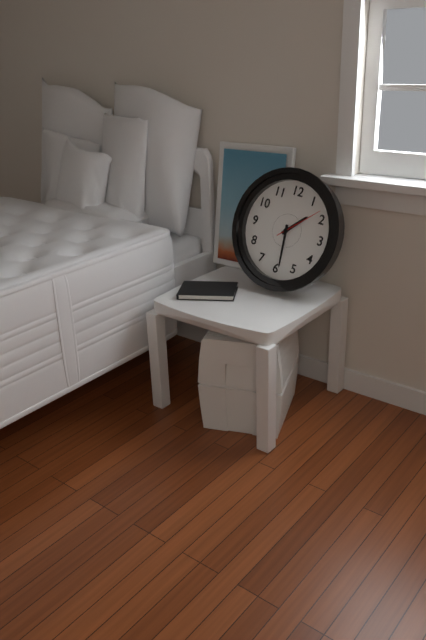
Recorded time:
1 h 29 min
